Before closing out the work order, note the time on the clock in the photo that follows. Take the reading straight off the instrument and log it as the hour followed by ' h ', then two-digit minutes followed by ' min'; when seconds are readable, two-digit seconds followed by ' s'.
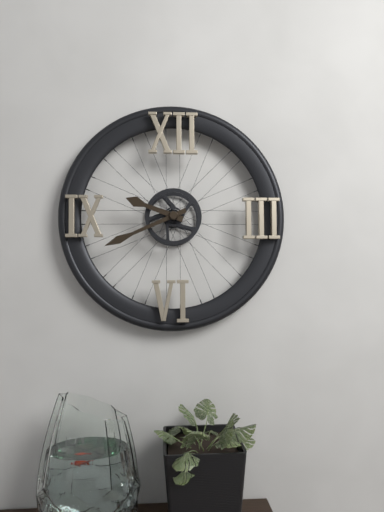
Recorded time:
9 h 41 min
